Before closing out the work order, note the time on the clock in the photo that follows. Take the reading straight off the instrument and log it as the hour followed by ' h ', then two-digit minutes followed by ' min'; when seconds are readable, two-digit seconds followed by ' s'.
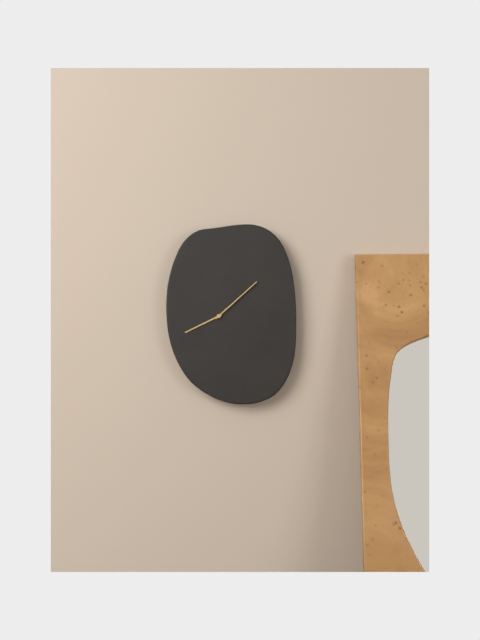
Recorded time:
8 h 08 min
